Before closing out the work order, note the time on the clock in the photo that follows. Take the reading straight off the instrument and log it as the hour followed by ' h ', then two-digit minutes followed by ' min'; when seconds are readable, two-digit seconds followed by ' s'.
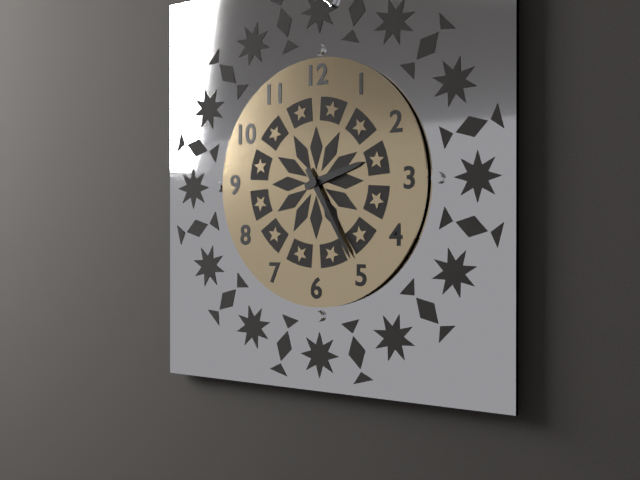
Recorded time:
2 h 25 min
